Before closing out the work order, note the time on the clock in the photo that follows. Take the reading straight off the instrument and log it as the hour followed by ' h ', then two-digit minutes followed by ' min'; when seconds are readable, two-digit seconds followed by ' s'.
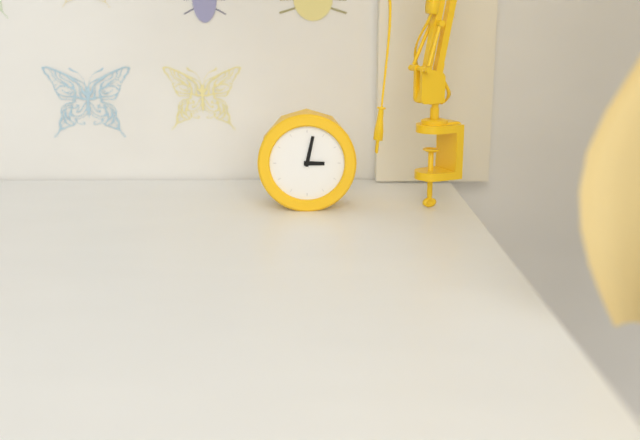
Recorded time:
3 h 02 min
